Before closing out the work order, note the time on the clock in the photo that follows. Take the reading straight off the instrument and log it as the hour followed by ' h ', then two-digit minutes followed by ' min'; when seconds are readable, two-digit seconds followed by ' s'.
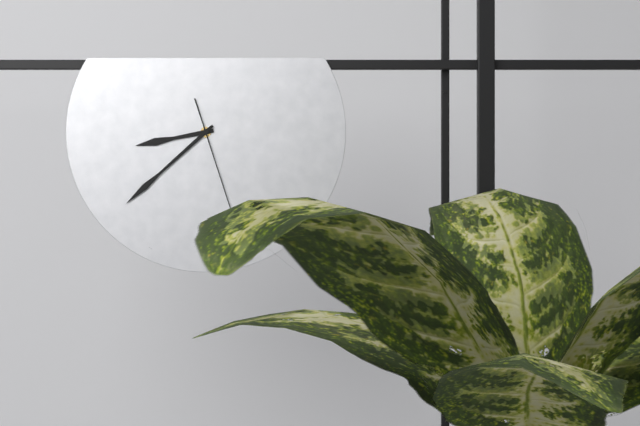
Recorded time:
8 h 38 min 27 s
